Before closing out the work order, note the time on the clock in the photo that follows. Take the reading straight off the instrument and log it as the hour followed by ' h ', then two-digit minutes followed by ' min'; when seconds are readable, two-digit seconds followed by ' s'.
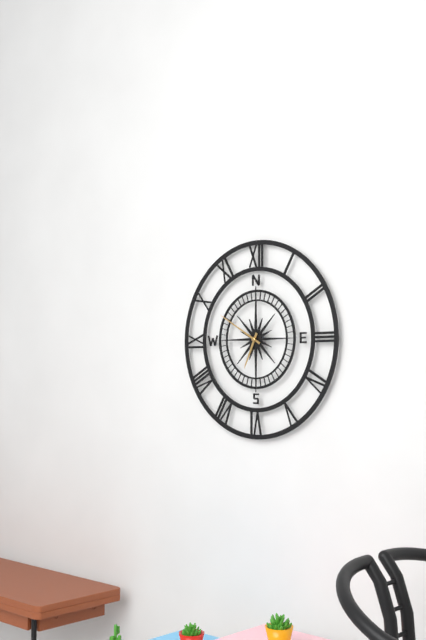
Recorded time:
6 h 50 min
